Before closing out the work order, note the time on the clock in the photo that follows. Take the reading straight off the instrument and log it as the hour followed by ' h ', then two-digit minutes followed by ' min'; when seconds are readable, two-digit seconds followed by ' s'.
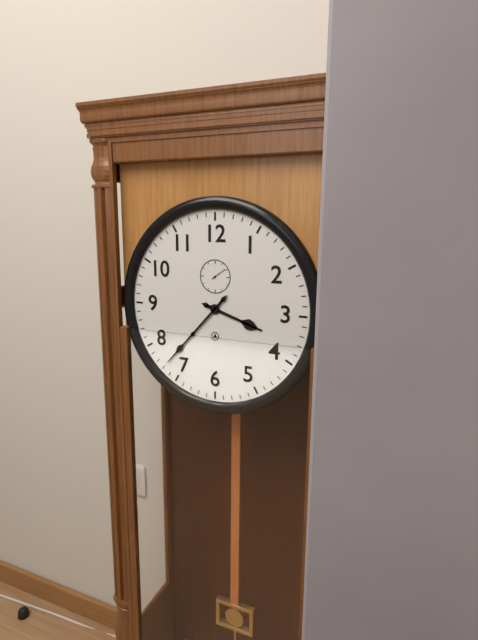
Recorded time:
3 h 37 min
